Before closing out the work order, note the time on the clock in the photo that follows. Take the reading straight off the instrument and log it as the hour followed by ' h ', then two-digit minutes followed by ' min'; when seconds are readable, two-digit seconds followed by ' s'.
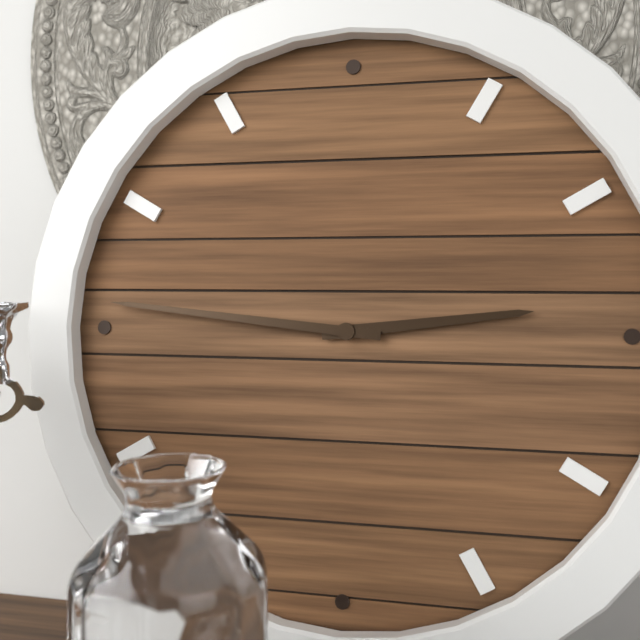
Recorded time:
2 h 46 min
